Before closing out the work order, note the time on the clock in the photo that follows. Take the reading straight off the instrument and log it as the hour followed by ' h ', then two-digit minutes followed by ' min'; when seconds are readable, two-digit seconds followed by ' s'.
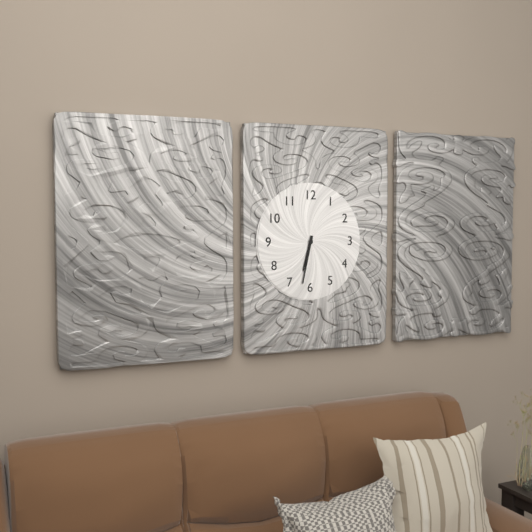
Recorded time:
6 h 32 min
